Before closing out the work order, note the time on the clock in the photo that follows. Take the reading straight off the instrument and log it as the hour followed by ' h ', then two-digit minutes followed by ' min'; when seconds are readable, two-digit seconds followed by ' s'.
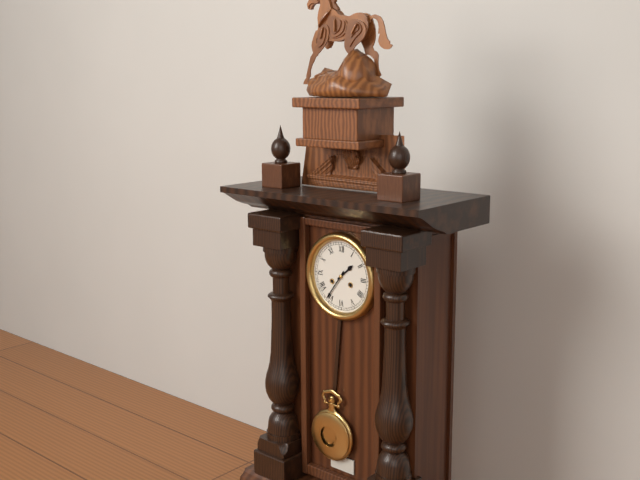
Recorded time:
1 h 36 min
